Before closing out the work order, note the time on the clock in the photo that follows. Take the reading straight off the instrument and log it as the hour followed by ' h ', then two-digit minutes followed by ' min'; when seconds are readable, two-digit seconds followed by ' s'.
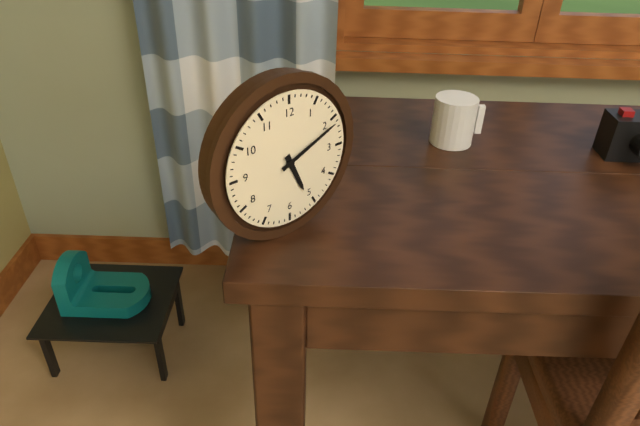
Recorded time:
5 h 11 min
